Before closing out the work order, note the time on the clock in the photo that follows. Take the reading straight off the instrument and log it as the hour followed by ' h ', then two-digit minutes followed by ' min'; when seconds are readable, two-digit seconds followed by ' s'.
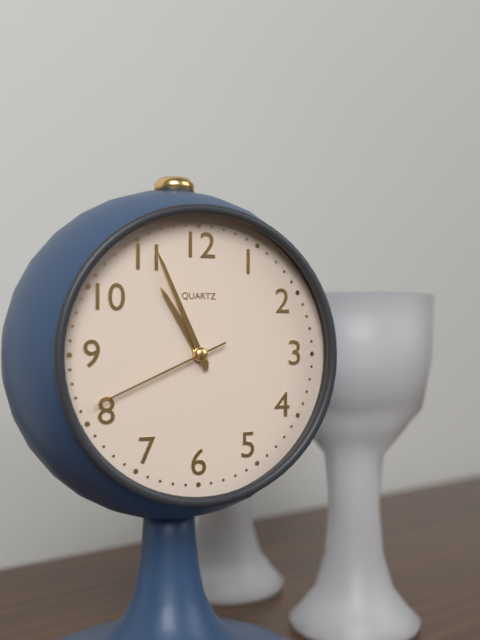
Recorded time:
10 h 56 min 41 s
